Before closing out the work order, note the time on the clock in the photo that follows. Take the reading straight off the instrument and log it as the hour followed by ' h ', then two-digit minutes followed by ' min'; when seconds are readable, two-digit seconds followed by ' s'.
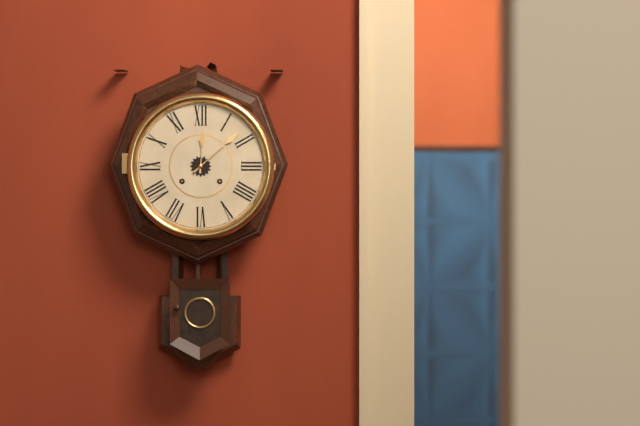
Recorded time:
12 h 08 min
